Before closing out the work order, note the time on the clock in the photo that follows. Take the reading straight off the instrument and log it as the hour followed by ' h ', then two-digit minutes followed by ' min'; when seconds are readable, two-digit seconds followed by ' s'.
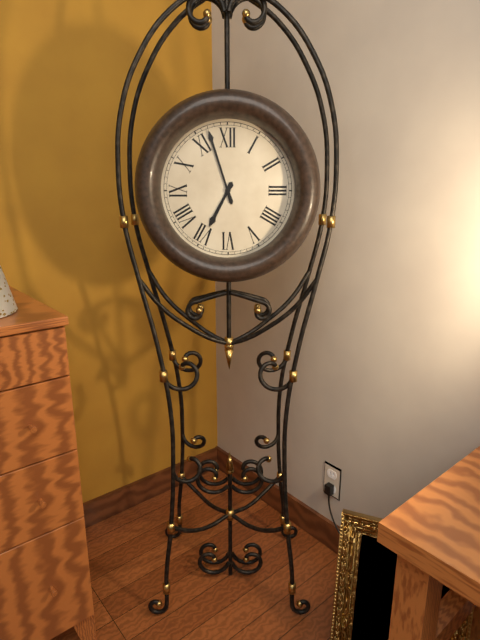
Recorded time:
6 h 57 min
